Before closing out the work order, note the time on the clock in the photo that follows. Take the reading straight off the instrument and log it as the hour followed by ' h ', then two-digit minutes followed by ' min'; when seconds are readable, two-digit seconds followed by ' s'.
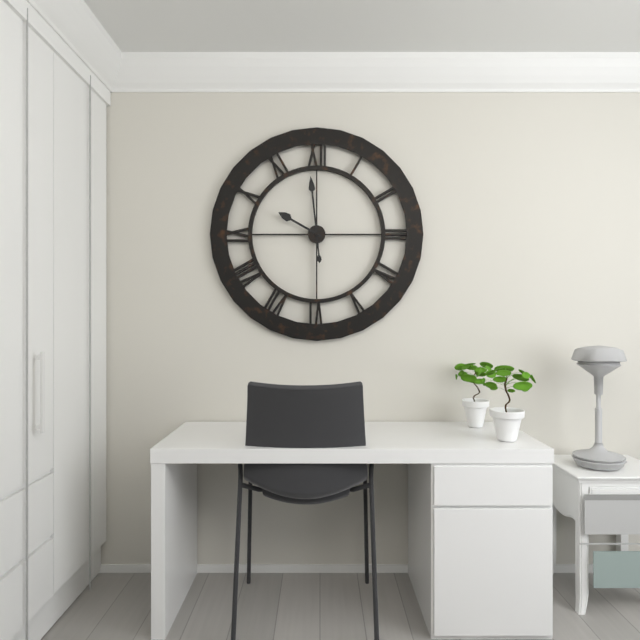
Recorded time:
9 h 59 min
